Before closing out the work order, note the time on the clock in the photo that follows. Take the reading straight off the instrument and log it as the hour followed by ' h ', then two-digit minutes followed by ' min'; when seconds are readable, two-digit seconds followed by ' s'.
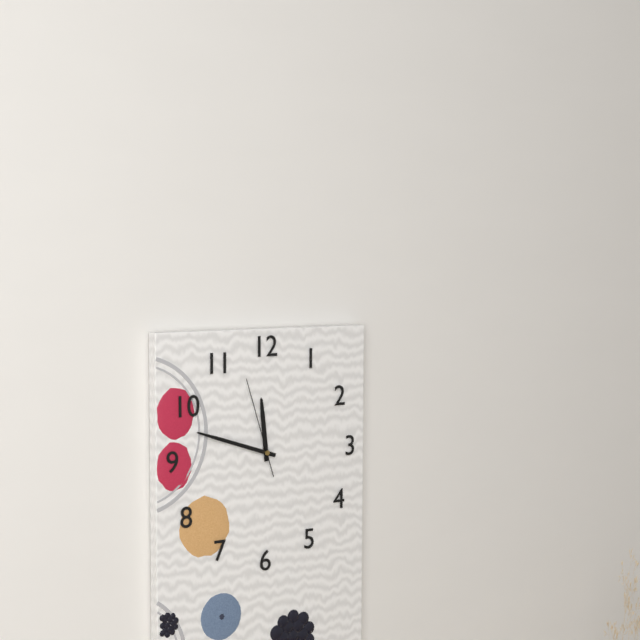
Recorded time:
11 h 48 min 57 s
